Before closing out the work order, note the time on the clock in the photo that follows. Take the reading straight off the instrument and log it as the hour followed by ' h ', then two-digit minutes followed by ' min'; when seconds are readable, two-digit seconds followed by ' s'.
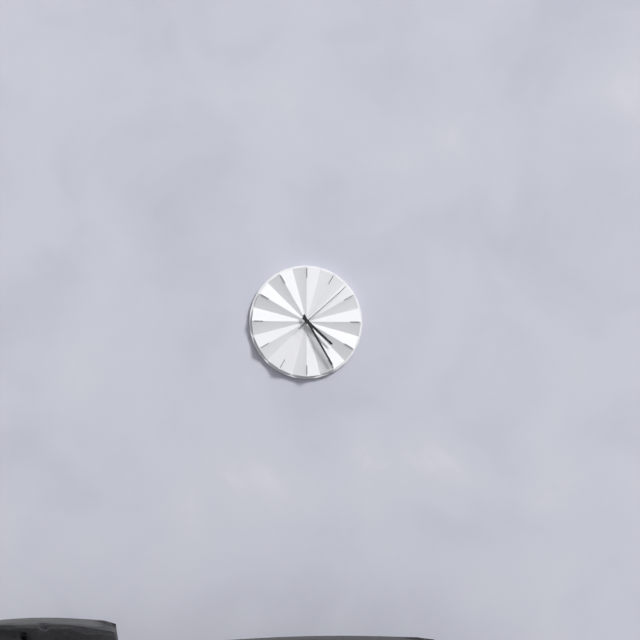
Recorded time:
4 h 25 min 08 s
